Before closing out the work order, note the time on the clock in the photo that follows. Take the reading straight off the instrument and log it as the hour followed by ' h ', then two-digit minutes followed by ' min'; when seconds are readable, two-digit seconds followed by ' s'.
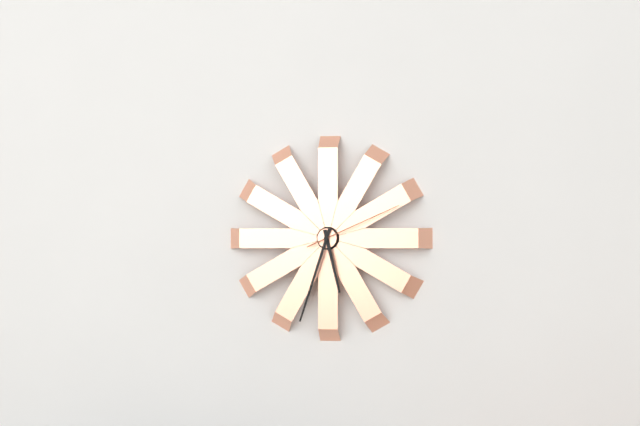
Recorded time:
5 h 33 min 11 s
